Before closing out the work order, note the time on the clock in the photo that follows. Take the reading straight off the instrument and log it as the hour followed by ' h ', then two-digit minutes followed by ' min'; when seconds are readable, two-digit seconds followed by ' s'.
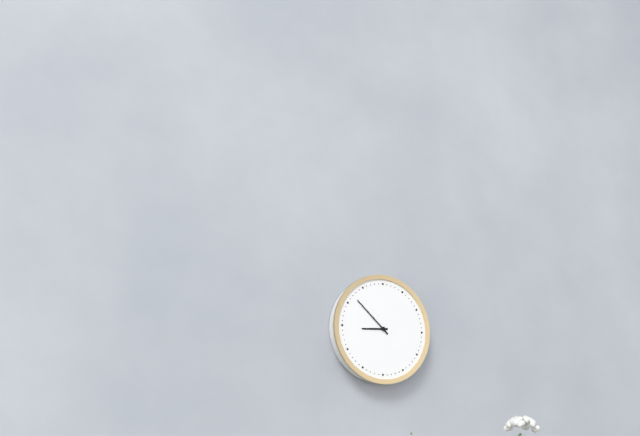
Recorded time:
8 h 52 min
